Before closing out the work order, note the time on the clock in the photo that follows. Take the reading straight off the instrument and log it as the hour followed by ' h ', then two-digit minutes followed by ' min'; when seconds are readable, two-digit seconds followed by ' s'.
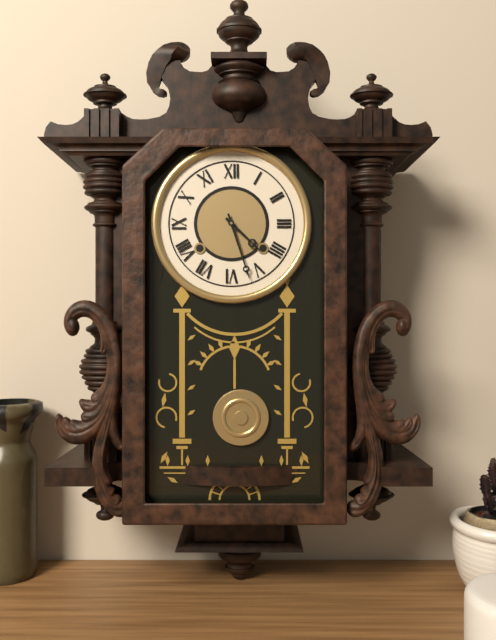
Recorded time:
4 h 27 min
